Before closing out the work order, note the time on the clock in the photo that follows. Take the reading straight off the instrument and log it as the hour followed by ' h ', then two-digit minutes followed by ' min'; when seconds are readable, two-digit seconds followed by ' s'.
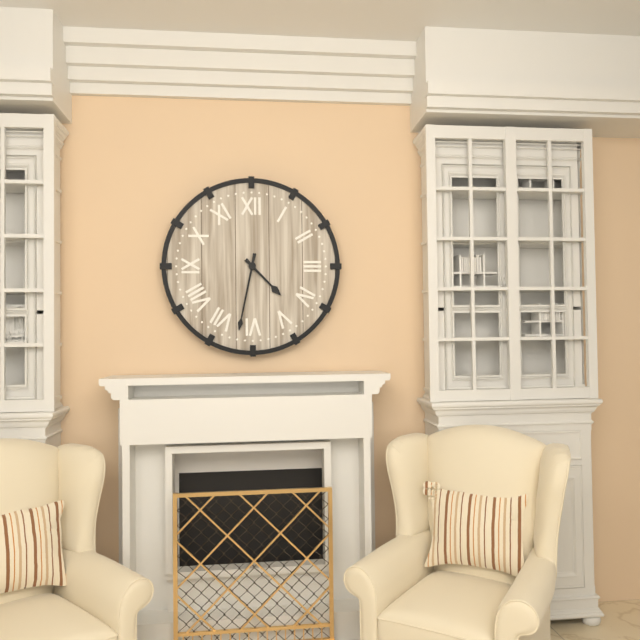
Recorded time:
4 h 32 min
